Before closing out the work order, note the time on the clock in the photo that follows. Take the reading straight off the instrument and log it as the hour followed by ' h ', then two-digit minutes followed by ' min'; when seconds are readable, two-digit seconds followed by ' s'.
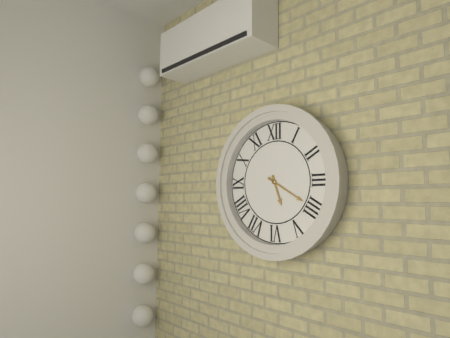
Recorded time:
5 h 20 min
